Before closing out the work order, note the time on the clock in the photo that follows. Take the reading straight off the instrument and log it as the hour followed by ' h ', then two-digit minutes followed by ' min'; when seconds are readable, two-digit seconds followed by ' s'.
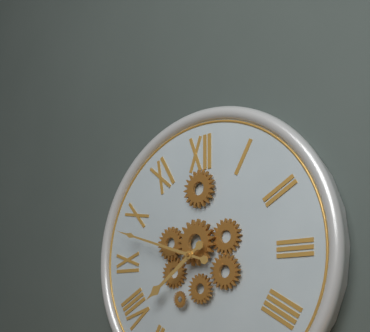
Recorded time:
7 h 48 min
